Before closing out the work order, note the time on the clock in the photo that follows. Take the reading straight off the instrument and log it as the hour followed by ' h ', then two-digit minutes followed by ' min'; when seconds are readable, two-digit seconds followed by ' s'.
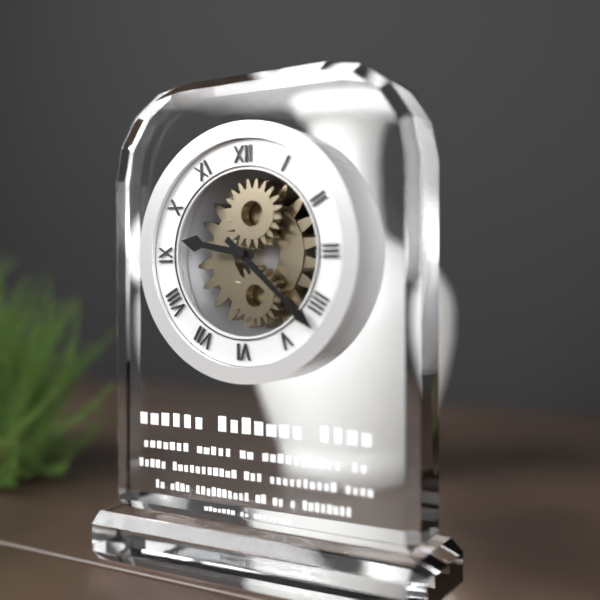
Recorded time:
9 h 22 min
